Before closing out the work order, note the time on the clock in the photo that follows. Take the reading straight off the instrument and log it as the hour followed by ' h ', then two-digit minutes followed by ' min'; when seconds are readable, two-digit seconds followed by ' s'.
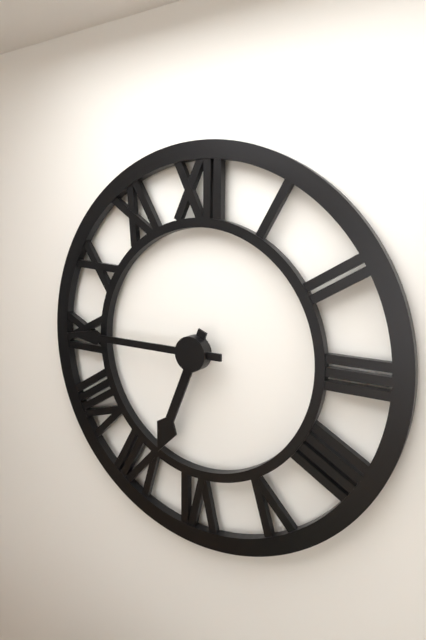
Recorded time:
6 h 45 min
